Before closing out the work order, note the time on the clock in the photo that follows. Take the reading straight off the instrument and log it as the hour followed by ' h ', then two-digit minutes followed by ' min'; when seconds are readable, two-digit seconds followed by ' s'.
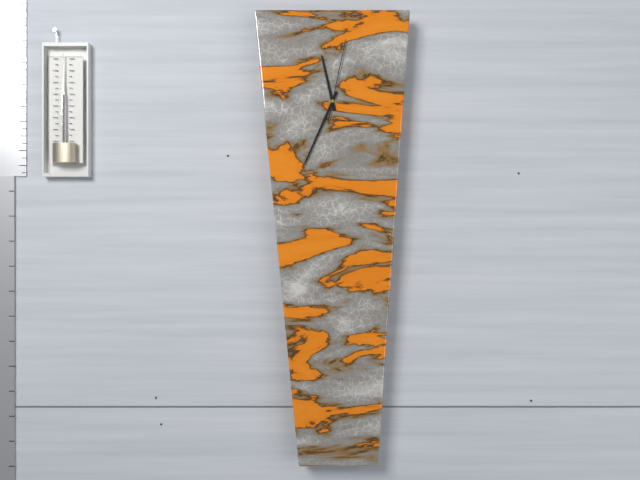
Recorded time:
11 h 34 min 02 s
